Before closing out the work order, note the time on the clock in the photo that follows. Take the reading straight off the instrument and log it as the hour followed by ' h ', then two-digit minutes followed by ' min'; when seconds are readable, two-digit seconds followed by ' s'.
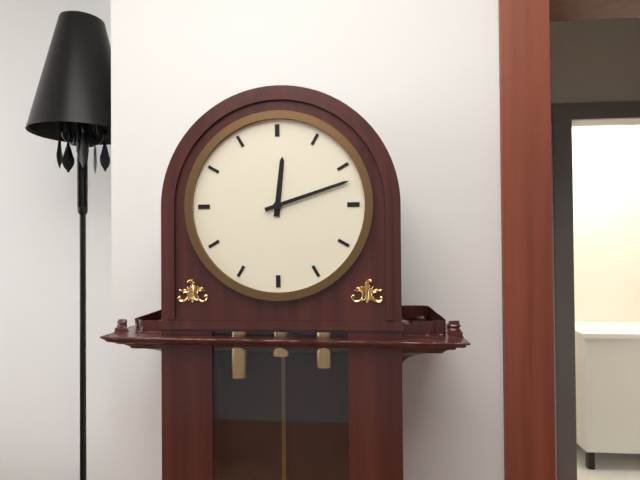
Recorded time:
12 h 12 min
